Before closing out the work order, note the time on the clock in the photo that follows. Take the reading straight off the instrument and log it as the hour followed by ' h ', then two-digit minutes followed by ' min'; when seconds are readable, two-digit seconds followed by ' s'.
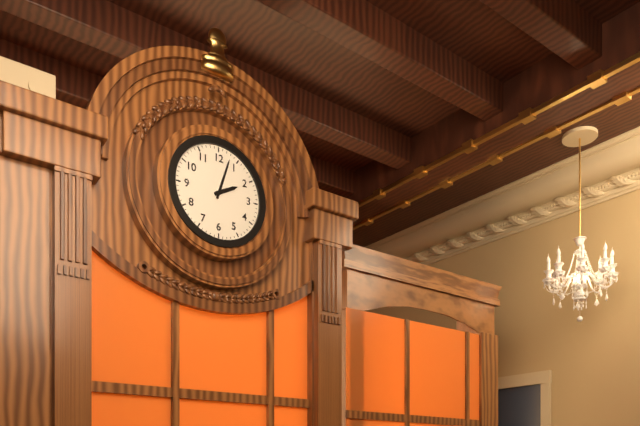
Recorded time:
2 h 03 min
